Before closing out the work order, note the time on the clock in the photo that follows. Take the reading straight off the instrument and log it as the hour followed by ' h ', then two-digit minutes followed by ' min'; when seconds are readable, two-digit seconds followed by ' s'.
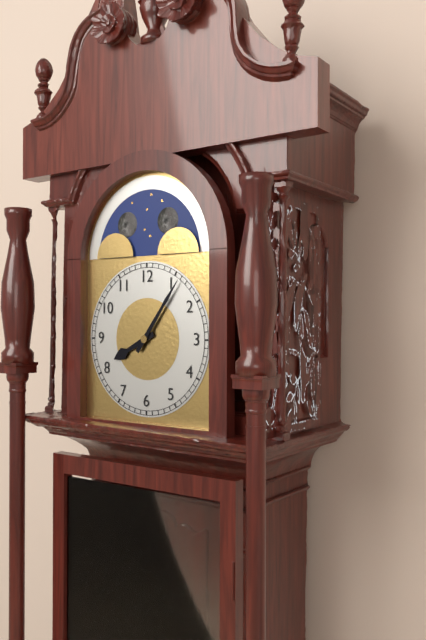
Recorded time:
8 h 06 min
